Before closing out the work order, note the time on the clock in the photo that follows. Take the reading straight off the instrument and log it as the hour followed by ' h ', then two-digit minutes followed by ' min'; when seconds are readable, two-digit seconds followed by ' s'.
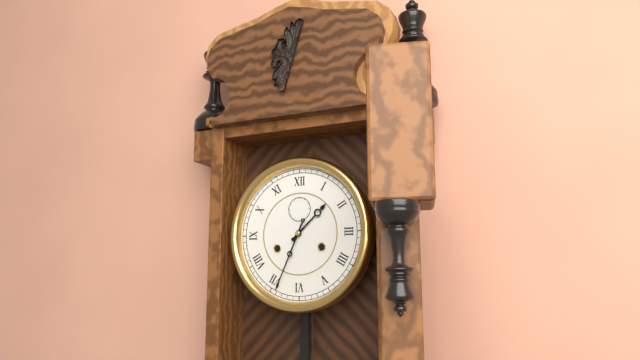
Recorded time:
1 h 34 min
